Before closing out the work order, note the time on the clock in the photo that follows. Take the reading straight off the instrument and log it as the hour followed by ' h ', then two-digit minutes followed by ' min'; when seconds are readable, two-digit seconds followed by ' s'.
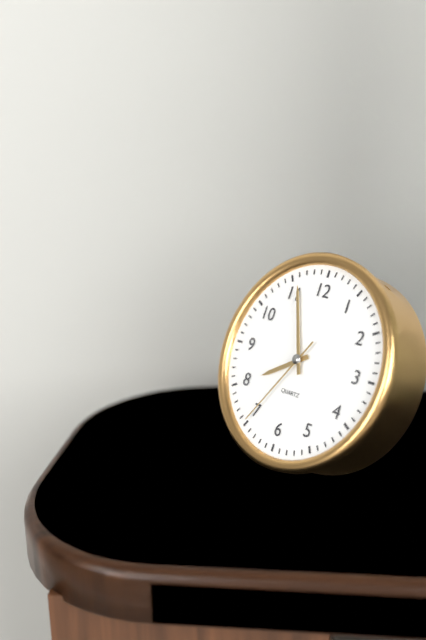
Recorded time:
7 h 56 min 35 s
